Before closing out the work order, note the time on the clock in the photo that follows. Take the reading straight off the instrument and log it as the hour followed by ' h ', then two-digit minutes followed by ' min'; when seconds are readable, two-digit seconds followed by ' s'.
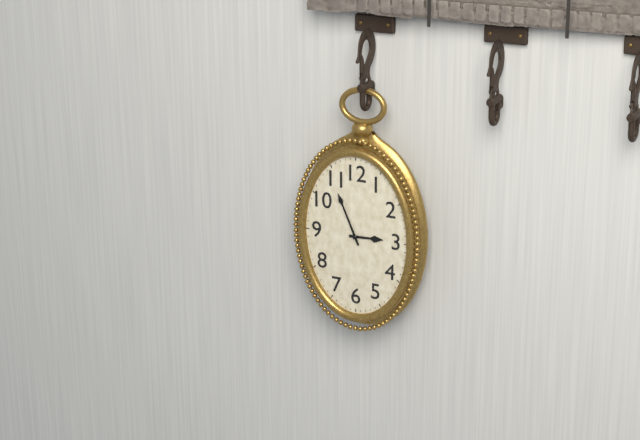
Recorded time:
2 h 56 min
